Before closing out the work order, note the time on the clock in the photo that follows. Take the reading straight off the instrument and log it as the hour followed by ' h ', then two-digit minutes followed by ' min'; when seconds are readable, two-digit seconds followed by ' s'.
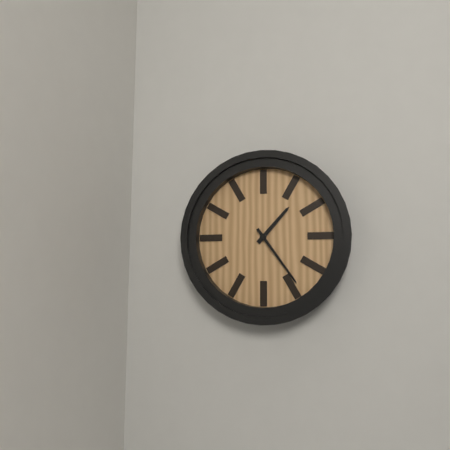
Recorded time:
1 h 24 min
